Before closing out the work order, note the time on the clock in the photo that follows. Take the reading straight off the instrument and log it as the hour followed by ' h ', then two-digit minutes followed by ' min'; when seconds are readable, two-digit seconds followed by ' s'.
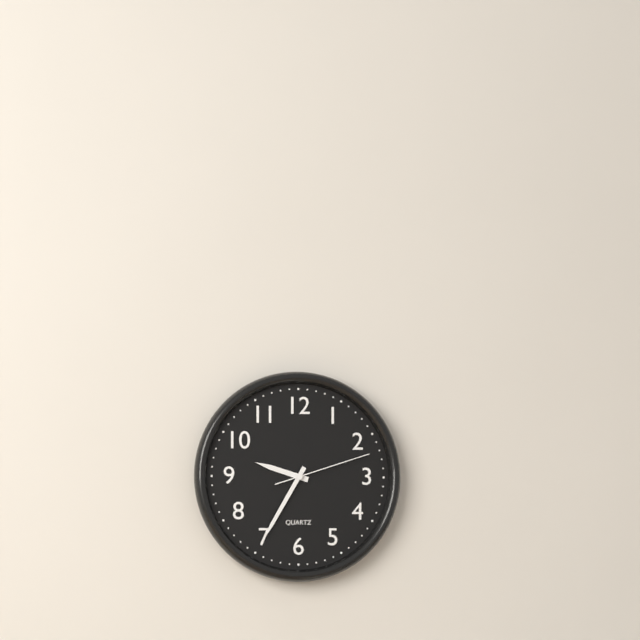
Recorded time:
9 h 35 min 12 s
